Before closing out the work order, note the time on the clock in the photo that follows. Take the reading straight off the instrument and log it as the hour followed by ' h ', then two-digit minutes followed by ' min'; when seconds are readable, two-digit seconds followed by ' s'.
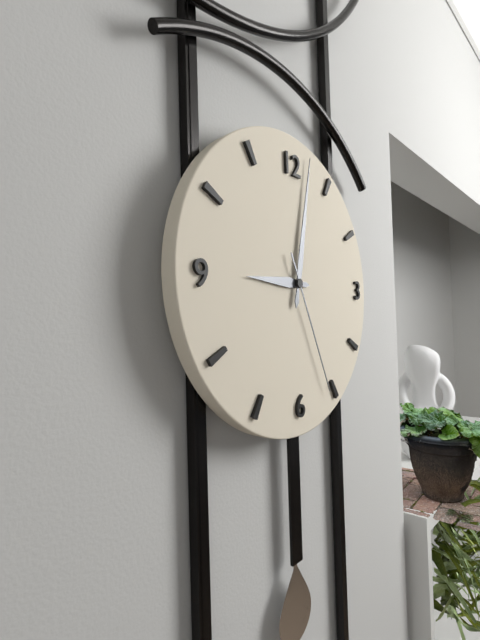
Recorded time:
9 h 02 min 26 s
